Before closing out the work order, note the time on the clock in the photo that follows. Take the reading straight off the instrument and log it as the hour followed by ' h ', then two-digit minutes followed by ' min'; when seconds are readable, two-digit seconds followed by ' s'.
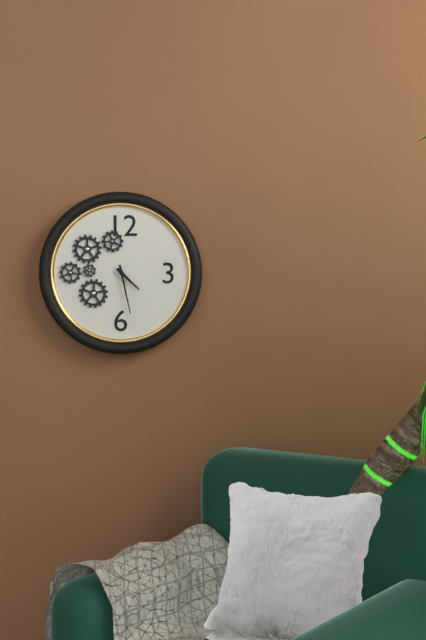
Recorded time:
4 h 28 min
